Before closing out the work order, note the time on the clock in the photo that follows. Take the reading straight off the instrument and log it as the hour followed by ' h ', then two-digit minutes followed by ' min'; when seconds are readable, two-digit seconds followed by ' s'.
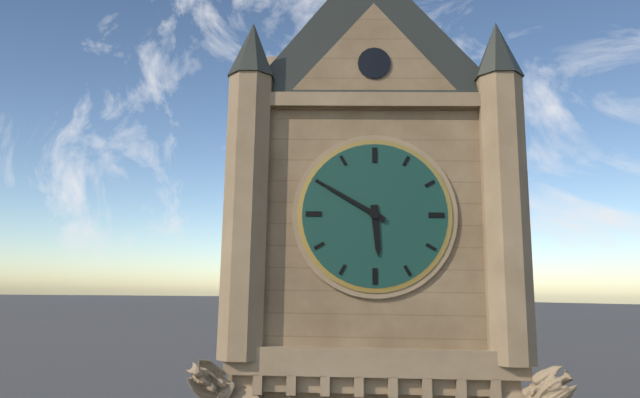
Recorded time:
5 h 50 min
